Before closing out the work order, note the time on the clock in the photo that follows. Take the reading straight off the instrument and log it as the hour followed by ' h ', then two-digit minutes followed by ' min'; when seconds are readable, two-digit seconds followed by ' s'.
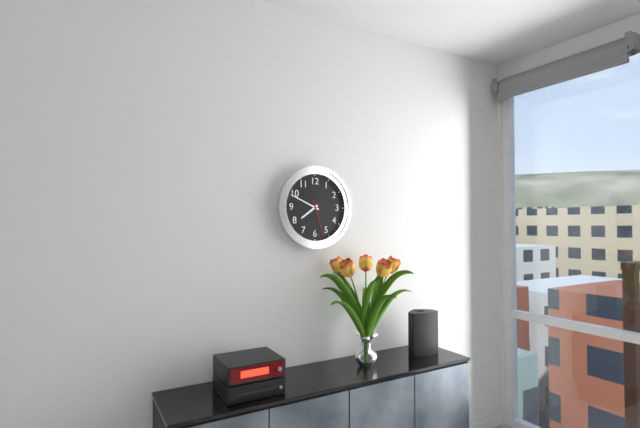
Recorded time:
7 h 49 min
